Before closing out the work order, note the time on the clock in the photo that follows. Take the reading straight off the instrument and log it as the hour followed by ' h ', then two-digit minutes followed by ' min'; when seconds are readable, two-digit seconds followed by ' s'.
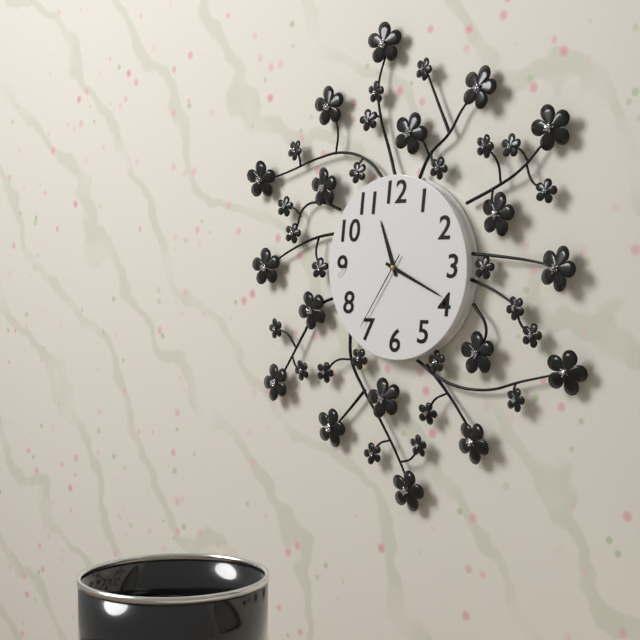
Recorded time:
11 h 19 min 36 s
